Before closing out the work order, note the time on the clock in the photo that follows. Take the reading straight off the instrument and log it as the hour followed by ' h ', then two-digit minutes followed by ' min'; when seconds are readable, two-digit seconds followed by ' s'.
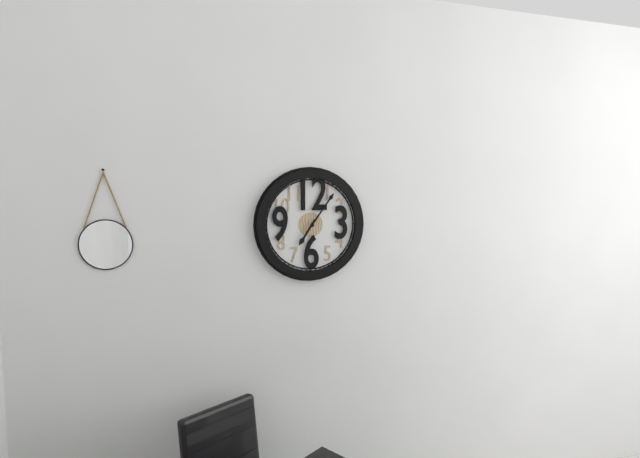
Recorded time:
7 h 06 min
